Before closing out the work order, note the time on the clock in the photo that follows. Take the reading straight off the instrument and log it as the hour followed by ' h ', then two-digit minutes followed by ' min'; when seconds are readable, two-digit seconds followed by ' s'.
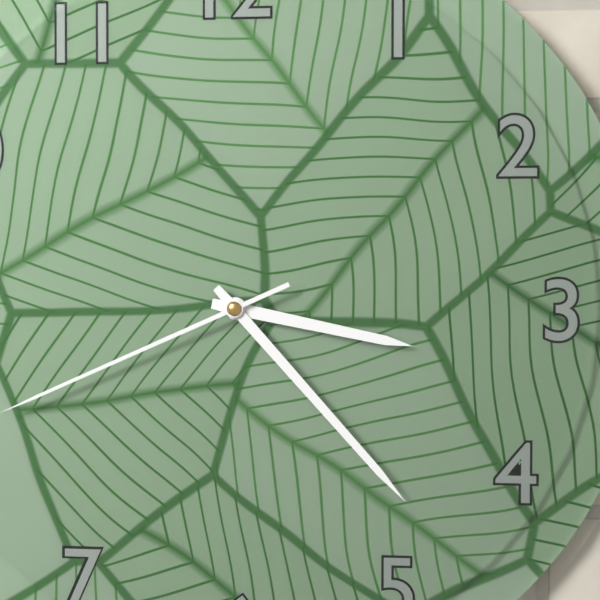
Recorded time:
3 h 23 min
